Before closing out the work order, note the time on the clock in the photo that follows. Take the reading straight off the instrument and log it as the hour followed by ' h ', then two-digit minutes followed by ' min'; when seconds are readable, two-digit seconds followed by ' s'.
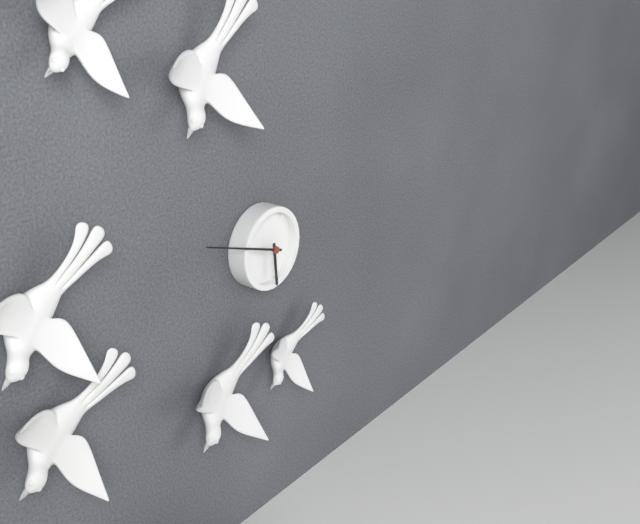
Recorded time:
5 h 48 min
